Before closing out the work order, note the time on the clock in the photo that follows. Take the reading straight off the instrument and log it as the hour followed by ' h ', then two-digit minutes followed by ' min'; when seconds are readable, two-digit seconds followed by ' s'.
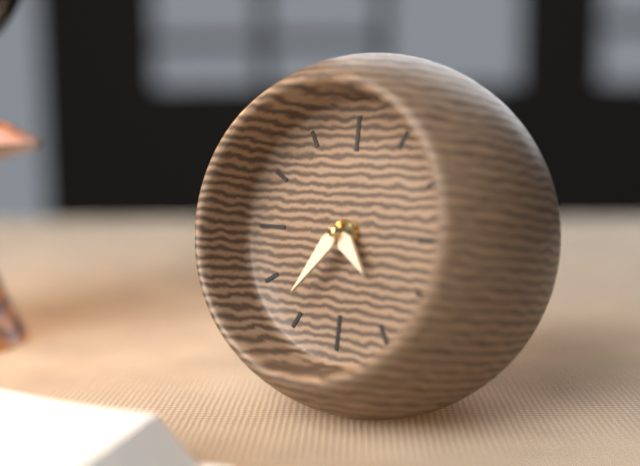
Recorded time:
4 h 36 min
